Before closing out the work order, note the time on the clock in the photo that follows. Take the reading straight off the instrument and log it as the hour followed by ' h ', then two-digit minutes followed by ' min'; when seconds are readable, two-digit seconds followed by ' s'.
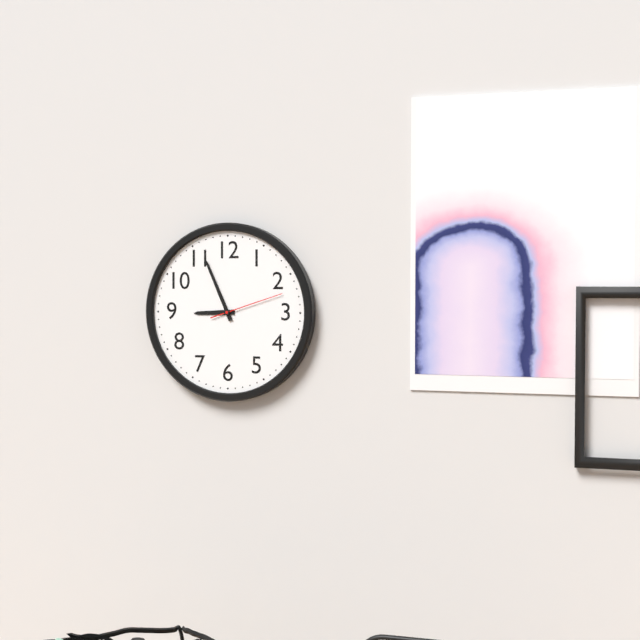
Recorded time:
8 h 56 min 12 s
